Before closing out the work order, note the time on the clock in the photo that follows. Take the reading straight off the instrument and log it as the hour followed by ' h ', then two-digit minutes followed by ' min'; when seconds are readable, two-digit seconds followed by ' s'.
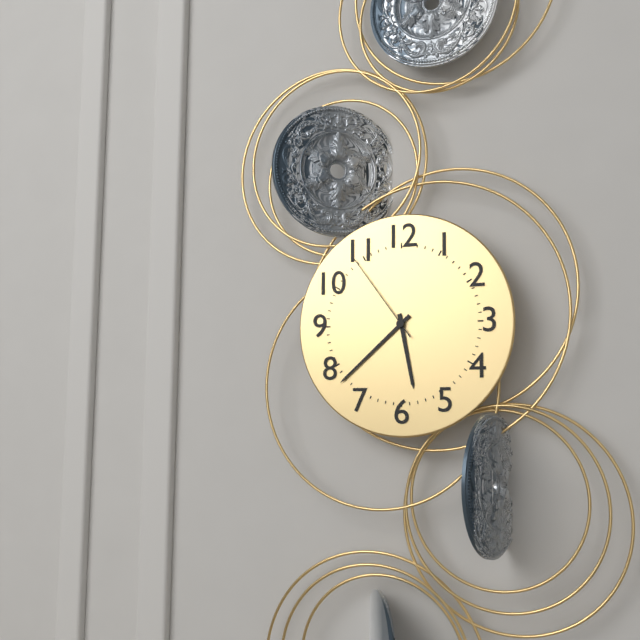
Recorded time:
5 h 38 min 54 s
